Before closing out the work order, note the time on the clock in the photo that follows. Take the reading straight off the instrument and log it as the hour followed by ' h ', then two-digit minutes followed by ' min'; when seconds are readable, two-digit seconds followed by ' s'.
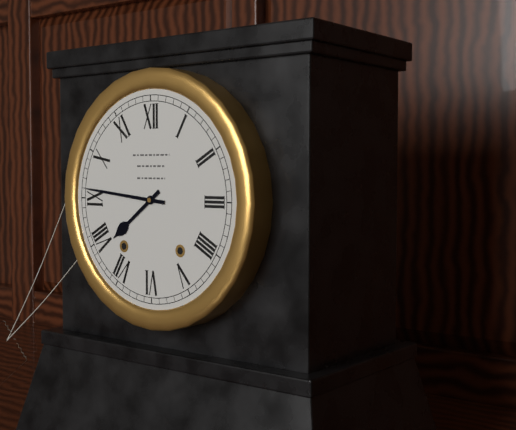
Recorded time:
7 h 46 min
